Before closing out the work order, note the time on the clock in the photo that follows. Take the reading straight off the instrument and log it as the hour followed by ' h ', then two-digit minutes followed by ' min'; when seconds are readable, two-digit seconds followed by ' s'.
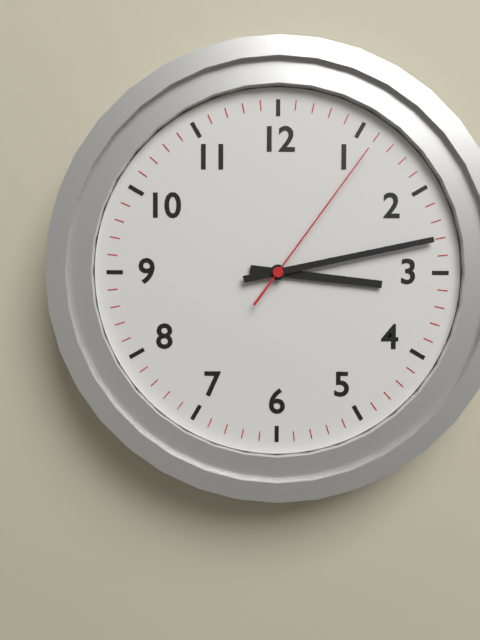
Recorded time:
3 h 13 min 06 s
